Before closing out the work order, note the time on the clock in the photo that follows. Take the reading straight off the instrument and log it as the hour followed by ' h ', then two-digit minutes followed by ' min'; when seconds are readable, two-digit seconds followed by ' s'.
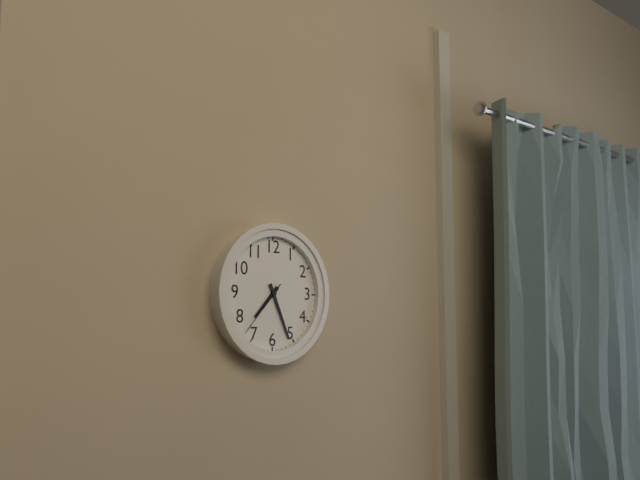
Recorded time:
7 h 26 min 37 s
